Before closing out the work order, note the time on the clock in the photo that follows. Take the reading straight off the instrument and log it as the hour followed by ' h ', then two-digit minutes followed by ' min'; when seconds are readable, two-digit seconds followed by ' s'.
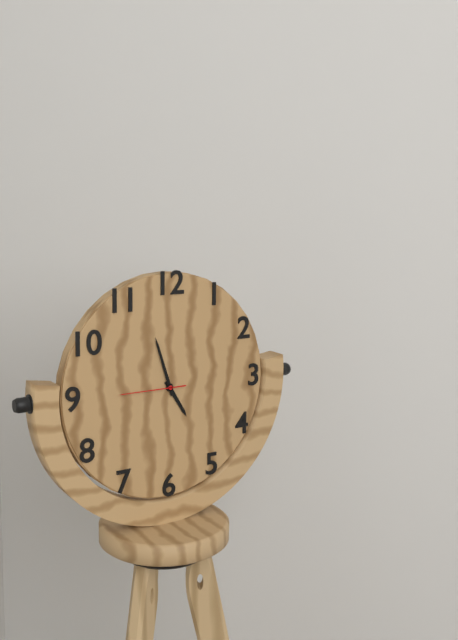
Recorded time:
4 h 57 min 45 s
